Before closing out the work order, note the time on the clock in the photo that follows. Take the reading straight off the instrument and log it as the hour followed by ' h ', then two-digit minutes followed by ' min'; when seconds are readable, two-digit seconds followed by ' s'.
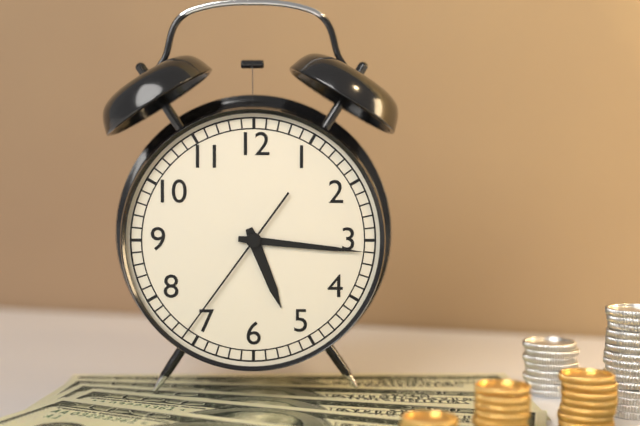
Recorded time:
5 h 16 min 36 s
